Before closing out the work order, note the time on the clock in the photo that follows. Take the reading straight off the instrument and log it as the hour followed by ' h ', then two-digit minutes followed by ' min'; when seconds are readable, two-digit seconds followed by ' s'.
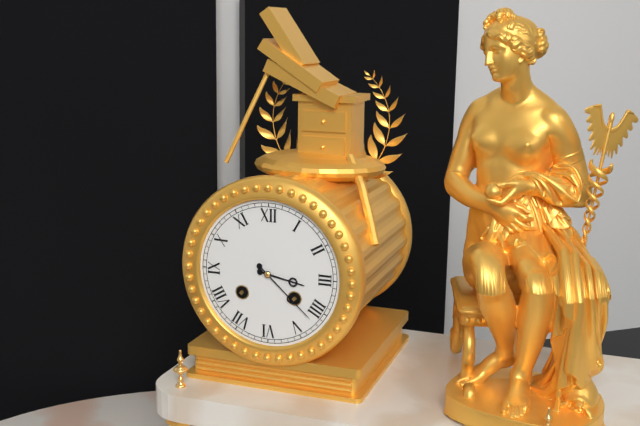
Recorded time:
3 h 22 min
